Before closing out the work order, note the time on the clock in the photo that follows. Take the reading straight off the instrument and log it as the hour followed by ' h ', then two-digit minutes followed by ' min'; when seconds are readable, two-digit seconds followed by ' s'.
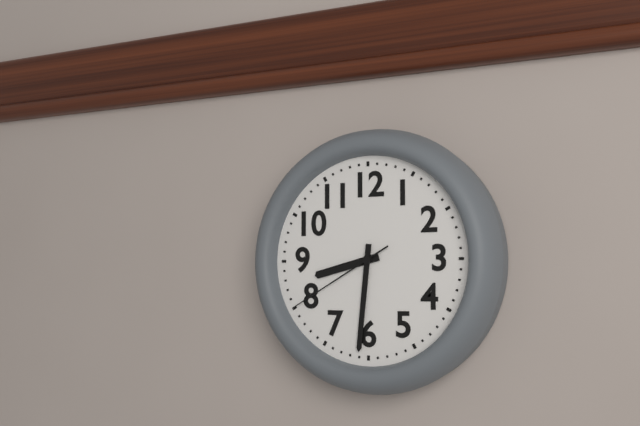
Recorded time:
8 h 31 min 40 s
